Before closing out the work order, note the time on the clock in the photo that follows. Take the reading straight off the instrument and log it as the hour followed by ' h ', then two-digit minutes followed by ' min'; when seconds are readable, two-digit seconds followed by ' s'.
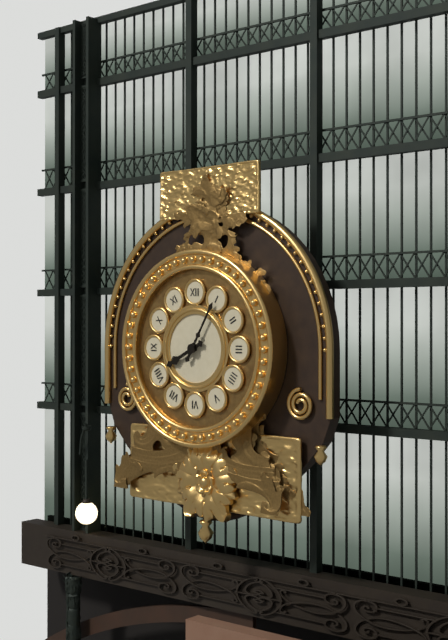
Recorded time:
8 h 05 min
